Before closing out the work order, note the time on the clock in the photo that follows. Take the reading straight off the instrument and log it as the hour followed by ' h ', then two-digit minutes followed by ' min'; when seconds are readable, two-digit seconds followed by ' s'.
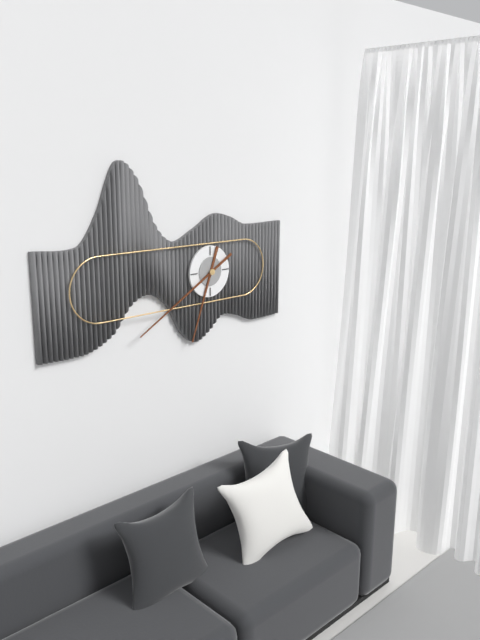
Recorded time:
6 h 40 min
